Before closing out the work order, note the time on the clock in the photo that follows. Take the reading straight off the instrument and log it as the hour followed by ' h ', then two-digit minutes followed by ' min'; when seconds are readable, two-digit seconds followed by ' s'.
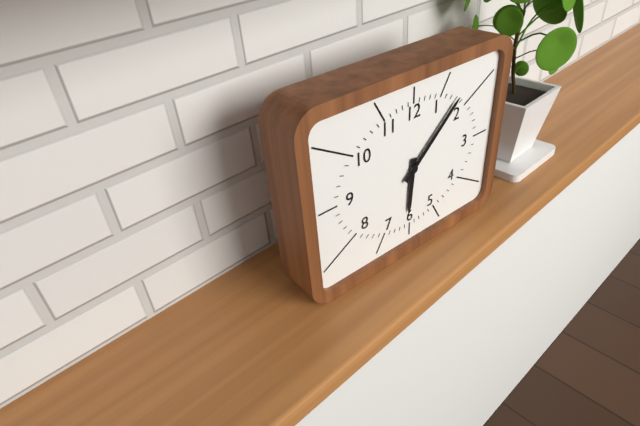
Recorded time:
6 h 08 min
